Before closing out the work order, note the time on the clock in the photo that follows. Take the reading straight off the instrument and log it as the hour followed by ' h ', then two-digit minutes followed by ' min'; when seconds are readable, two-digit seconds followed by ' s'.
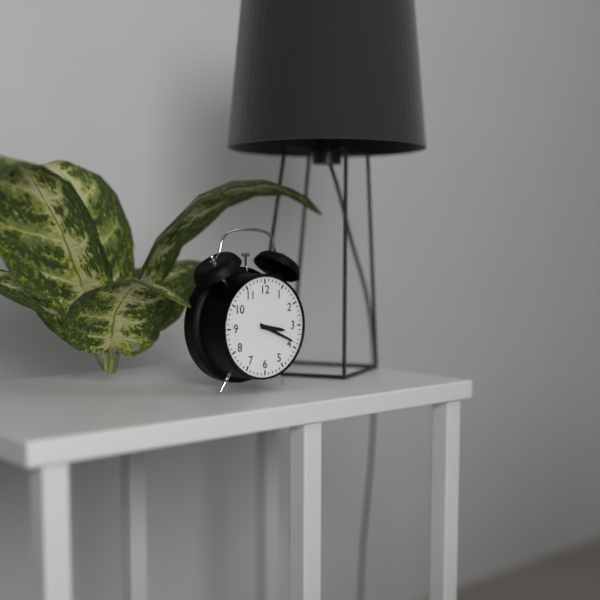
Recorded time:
3 h 19 min
